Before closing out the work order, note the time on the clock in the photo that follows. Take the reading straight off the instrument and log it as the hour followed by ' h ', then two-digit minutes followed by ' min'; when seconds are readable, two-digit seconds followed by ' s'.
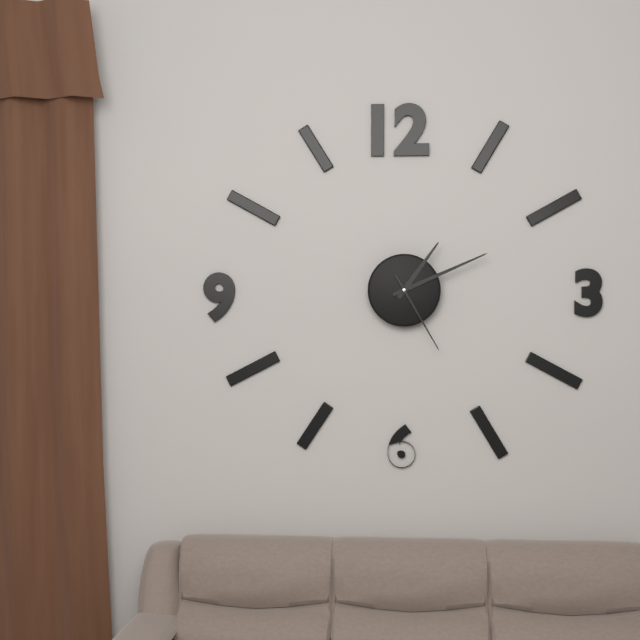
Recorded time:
1 h 11 min 25 s
